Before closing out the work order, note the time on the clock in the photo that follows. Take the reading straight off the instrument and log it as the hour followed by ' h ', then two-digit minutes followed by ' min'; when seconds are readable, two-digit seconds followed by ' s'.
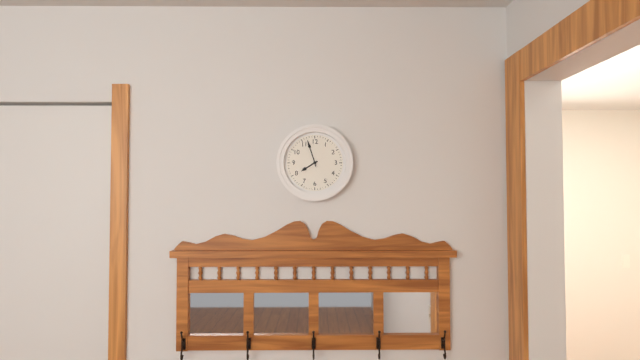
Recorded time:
7 h 57 min
